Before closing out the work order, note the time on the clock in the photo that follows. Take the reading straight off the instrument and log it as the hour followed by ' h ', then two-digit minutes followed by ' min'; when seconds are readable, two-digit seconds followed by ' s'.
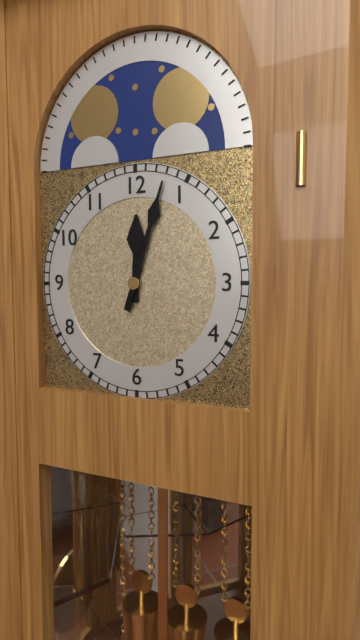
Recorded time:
12 h 03 min
